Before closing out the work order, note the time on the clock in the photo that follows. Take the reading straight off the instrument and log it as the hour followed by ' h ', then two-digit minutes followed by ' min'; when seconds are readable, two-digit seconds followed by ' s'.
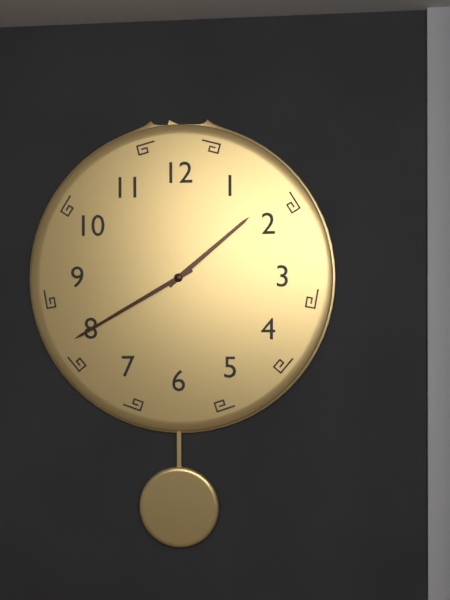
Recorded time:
1 h 40 min
